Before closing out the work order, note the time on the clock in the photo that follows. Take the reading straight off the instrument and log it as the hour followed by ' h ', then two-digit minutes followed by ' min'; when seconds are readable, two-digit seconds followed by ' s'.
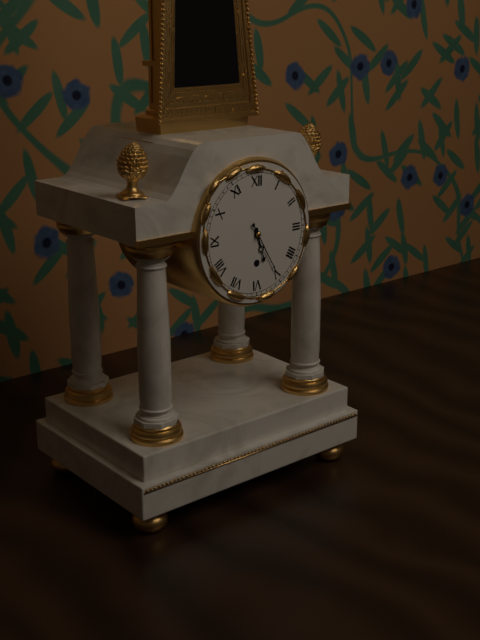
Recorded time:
5 h 25 min
